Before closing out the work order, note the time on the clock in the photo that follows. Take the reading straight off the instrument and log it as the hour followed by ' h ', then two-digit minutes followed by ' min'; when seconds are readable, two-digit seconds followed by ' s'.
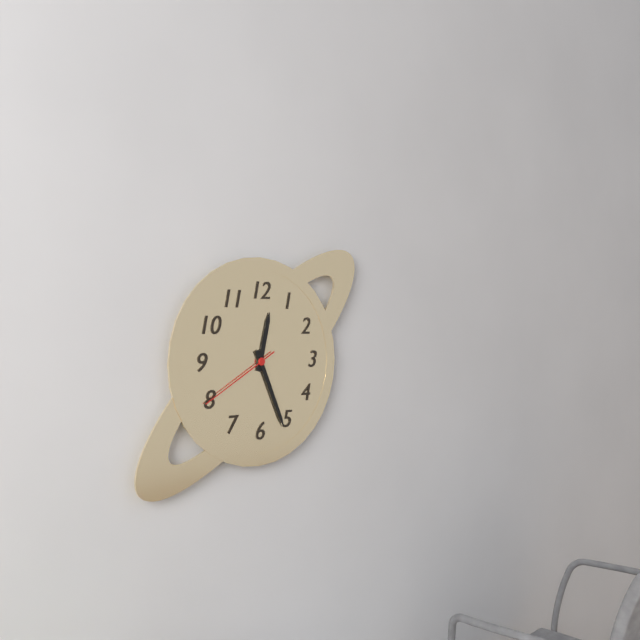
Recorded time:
12 h 26 min 40 s
